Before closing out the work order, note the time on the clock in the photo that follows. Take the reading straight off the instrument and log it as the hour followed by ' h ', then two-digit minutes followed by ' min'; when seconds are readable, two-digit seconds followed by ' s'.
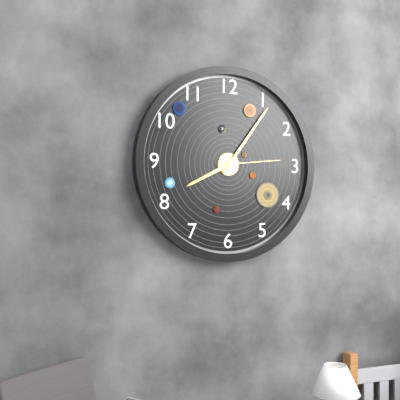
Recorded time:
8 h 06 min 14 s
